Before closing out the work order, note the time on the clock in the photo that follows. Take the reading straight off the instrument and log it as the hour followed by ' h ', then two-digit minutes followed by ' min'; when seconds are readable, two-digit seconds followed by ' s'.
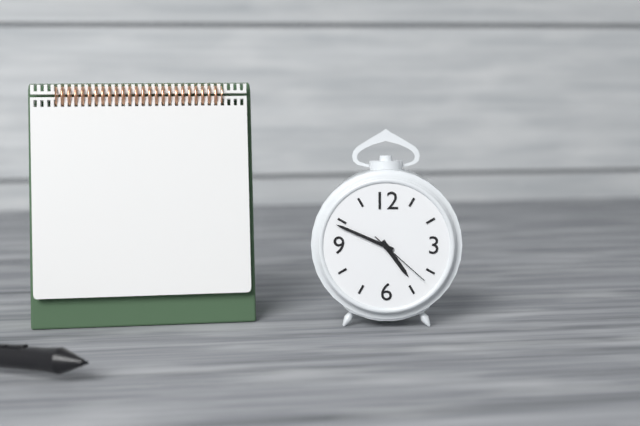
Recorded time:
4 h 49 min 22 s
